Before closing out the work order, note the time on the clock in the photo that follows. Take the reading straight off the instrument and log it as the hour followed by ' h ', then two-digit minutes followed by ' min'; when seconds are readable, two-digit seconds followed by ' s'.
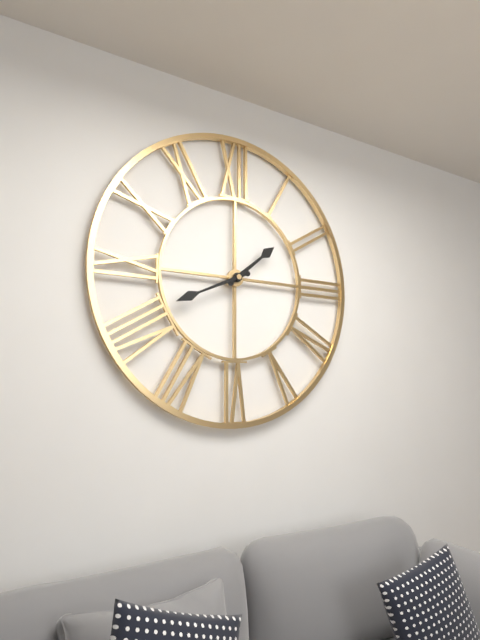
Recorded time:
1 h 41 min
